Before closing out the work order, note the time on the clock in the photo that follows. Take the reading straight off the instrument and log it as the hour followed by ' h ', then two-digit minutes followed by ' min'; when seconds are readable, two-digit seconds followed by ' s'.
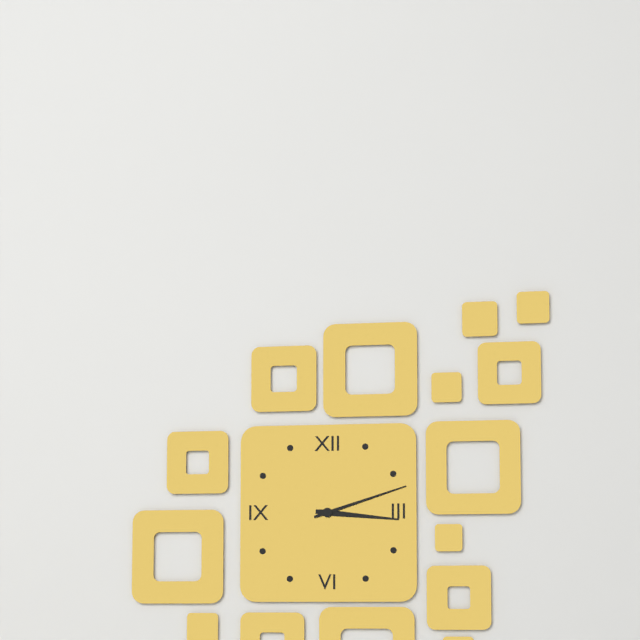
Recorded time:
3 h 12 min
